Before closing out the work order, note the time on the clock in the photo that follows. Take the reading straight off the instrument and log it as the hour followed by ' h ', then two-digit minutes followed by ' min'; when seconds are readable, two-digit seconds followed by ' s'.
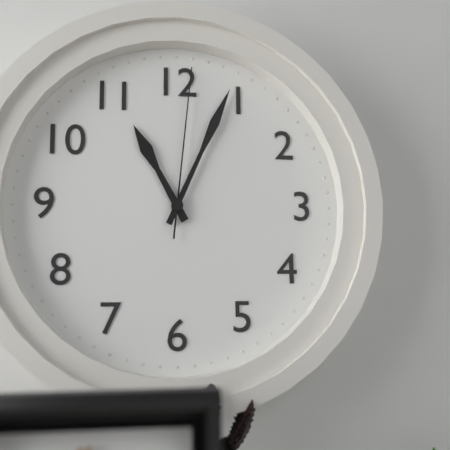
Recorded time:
11 h 04 min 01 s
